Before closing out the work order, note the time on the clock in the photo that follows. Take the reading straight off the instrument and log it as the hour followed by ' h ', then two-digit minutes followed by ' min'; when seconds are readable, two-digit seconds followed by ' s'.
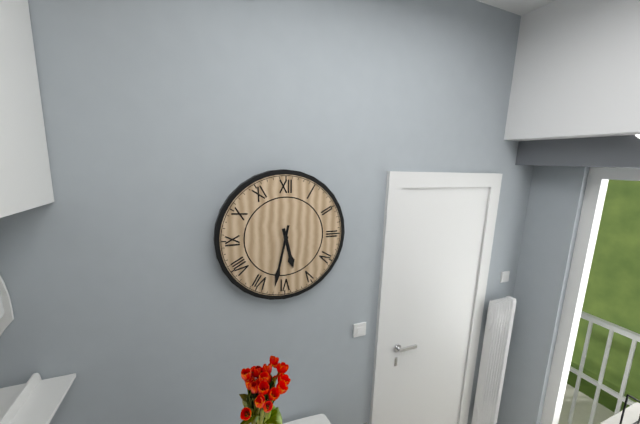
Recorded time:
5 h 32 min
